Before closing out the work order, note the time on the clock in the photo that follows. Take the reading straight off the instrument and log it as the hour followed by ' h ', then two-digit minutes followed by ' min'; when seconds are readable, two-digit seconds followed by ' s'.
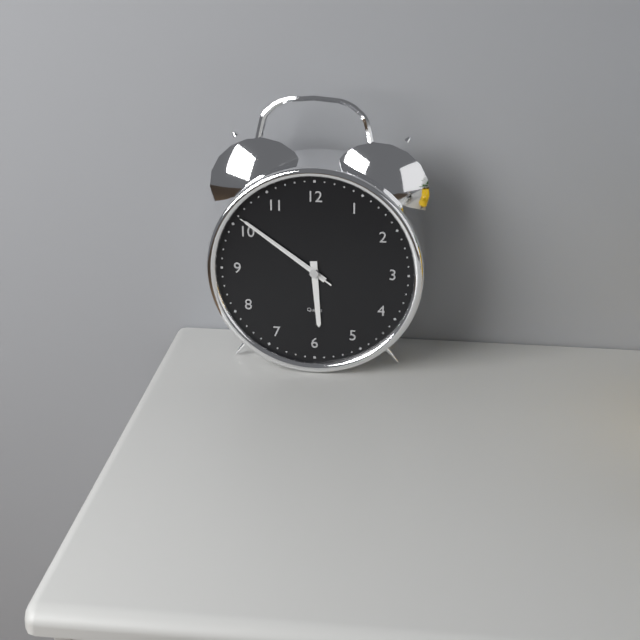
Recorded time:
5 h 51 min 51 s
